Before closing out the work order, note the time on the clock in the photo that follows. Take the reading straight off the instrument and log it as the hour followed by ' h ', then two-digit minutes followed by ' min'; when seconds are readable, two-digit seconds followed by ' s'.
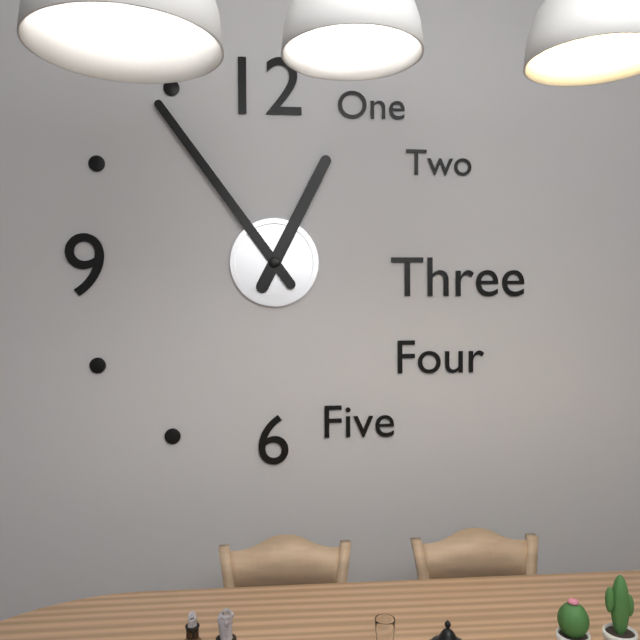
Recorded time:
12 h 54 min
